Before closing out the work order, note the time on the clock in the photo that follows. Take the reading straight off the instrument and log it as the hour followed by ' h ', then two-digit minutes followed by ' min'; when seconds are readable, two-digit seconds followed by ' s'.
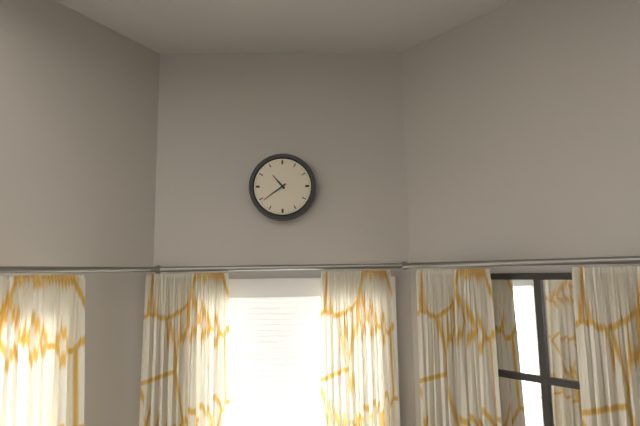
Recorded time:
10 h 39 min
